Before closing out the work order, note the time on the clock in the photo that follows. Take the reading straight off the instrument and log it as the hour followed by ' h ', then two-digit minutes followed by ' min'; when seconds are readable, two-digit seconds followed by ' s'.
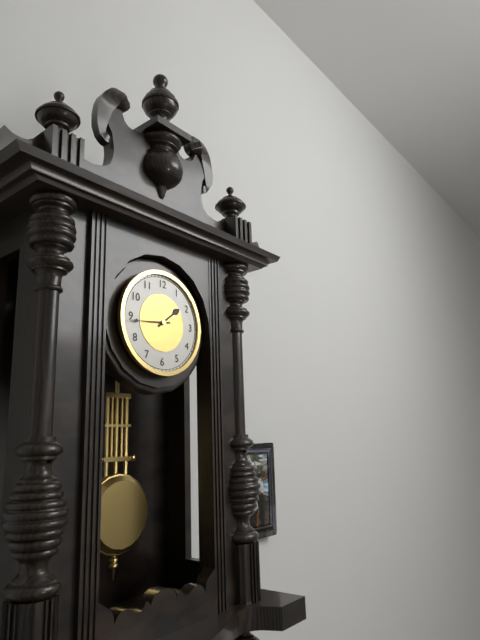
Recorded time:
1 h 44 min
